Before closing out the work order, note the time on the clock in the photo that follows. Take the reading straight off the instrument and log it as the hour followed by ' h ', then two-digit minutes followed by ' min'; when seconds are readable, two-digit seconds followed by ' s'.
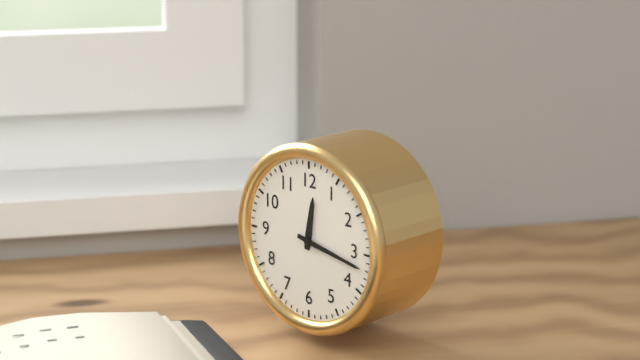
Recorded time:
12 h 17 min
